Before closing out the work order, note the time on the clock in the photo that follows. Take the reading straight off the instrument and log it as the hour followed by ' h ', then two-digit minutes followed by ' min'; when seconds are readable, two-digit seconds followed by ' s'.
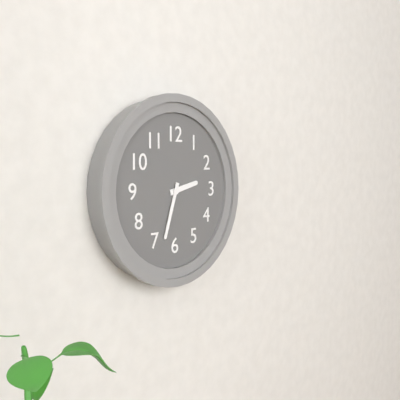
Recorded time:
2 h 33 min
